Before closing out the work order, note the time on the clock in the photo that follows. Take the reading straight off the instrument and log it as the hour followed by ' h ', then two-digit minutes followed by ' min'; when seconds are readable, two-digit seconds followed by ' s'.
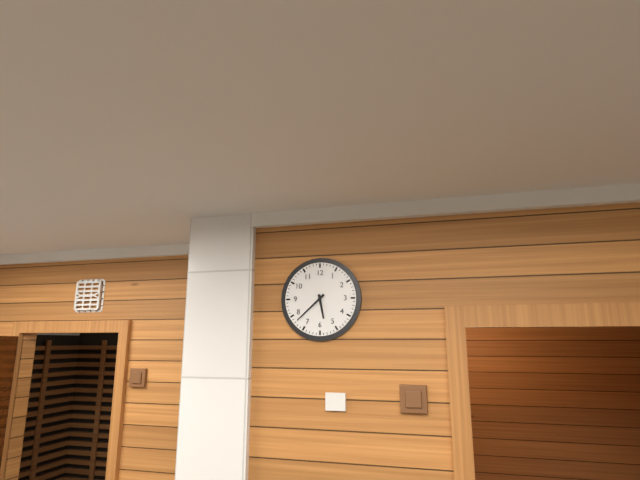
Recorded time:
5 h 38 min
